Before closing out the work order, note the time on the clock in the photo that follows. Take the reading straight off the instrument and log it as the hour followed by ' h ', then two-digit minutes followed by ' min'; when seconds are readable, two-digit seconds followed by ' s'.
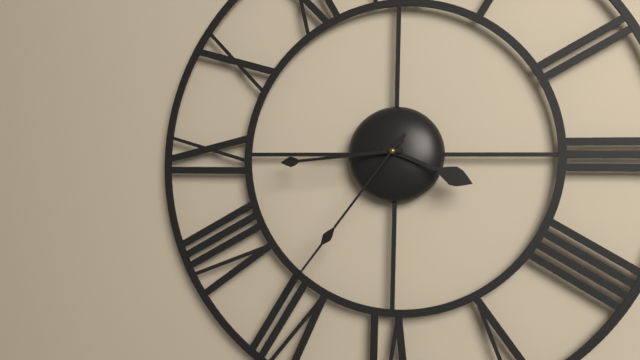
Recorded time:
3 h 44 min 36 s
